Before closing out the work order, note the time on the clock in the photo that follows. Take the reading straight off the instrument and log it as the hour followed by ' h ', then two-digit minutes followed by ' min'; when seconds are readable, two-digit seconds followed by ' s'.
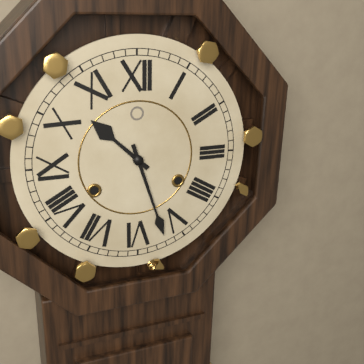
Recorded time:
10 h 27 min
